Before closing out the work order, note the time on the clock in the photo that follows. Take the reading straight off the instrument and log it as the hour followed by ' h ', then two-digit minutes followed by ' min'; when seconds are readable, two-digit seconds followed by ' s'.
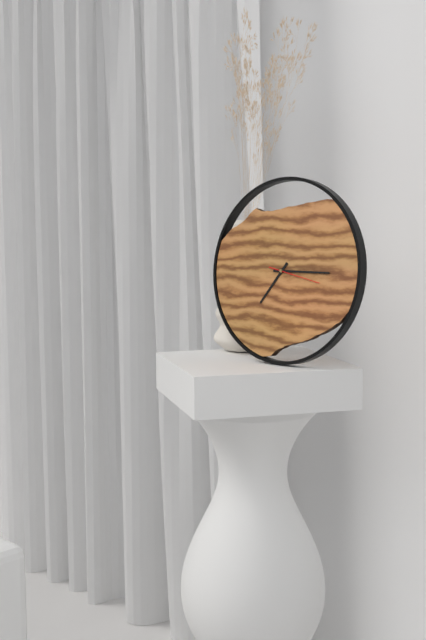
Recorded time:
7 h 15 min
